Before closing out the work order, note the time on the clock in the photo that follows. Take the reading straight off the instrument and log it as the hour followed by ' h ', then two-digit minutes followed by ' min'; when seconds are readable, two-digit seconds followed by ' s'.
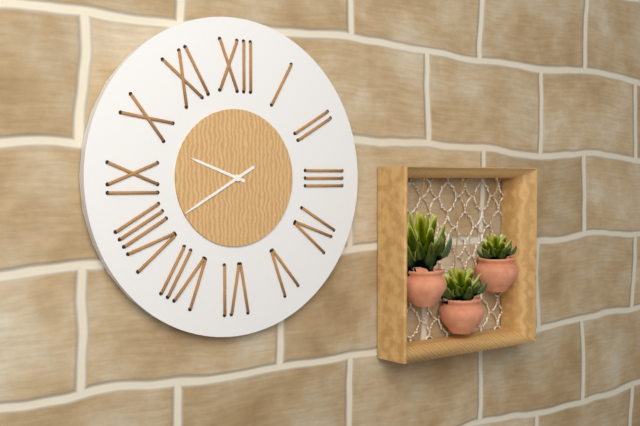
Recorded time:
9 h 40 min
